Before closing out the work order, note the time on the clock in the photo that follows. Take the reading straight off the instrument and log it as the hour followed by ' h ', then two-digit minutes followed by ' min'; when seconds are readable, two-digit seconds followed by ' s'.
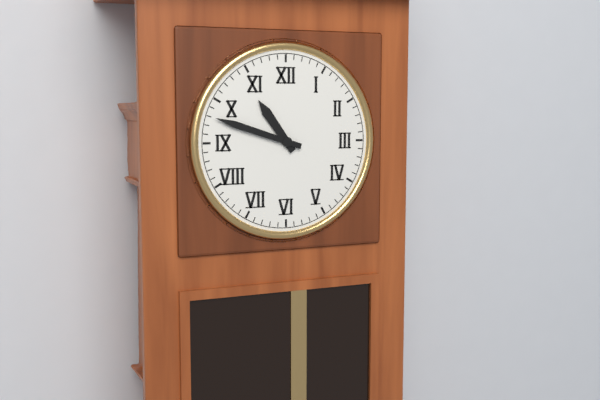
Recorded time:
10 h 48 min
